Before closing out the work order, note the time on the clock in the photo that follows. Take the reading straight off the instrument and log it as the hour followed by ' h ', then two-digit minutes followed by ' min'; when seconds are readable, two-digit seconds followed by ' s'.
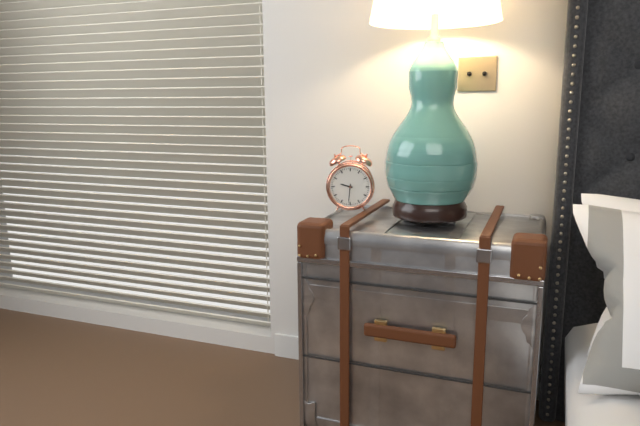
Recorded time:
9 h 31 min
